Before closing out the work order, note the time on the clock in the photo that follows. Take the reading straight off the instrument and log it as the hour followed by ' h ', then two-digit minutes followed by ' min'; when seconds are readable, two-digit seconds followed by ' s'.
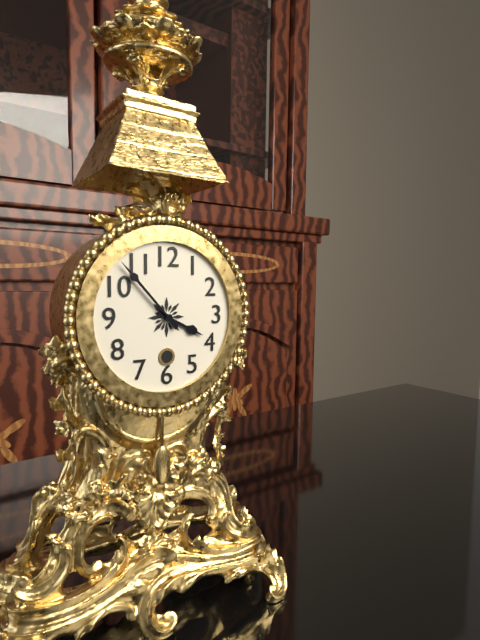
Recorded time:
3 h 53 min
